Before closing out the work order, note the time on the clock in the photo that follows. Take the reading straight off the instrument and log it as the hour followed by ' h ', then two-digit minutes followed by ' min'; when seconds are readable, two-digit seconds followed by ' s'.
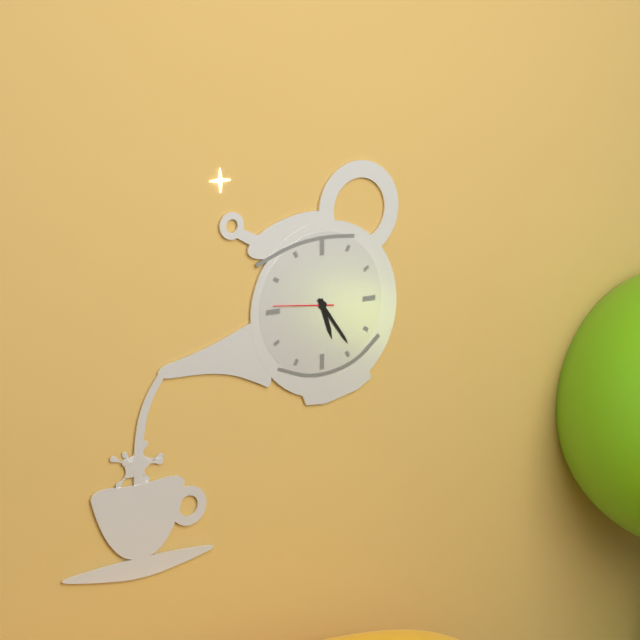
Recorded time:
5 h 24 min 46 s
